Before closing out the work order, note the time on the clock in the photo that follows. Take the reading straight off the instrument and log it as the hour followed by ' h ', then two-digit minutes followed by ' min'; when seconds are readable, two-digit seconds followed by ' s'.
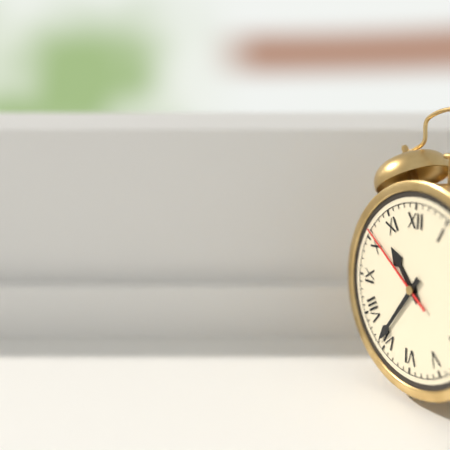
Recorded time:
10 h 36 min 51 s
